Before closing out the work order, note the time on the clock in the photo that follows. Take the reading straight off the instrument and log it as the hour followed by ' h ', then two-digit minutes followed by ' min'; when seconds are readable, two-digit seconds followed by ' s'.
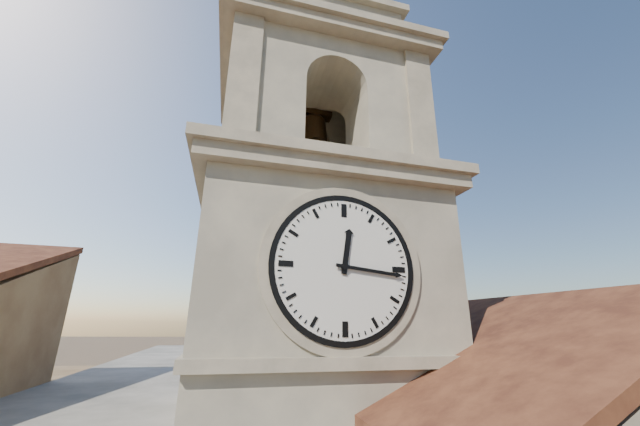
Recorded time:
12 h 16 min
